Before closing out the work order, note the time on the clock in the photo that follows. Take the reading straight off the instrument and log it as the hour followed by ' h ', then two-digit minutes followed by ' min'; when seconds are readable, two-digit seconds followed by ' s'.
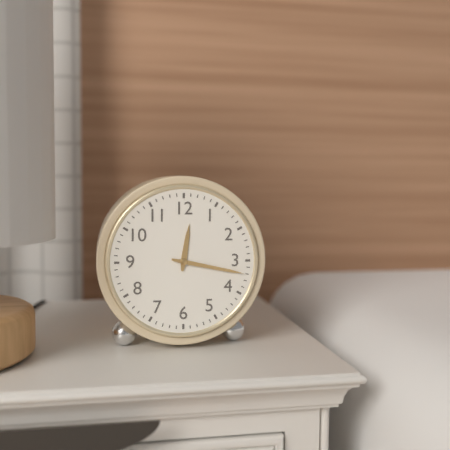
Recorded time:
12 h 17 min
